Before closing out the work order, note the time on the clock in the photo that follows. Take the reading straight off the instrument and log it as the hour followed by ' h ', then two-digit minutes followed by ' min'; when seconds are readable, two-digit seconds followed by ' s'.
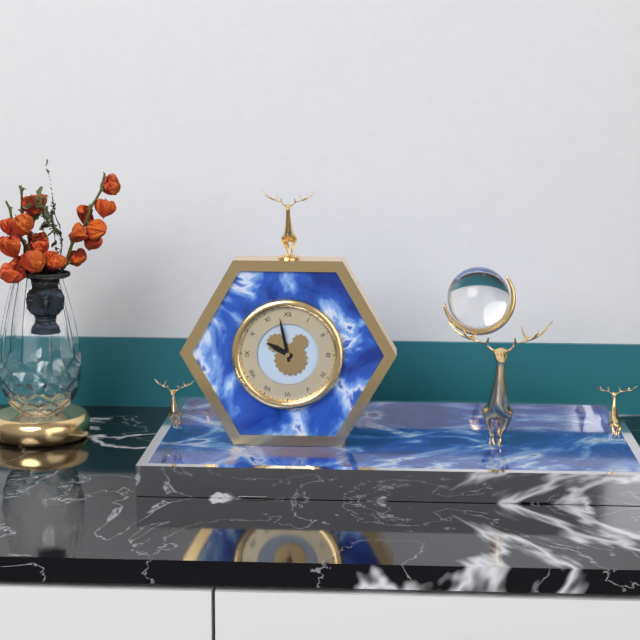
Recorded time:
9 h 58 min
